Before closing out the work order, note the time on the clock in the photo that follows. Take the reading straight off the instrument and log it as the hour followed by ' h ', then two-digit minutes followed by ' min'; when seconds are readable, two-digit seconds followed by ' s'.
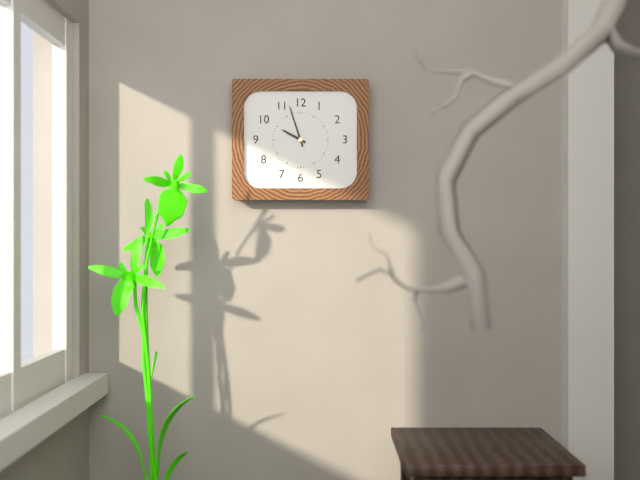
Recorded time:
9 h 57 min
